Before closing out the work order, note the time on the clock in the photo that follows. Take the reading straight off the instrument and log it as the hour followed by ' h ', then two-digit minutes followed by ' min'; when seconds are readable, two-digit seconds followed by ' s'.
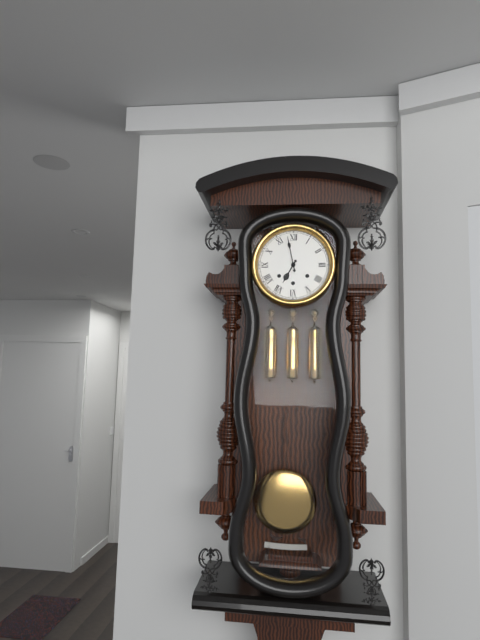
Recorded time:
6 h 58 min
